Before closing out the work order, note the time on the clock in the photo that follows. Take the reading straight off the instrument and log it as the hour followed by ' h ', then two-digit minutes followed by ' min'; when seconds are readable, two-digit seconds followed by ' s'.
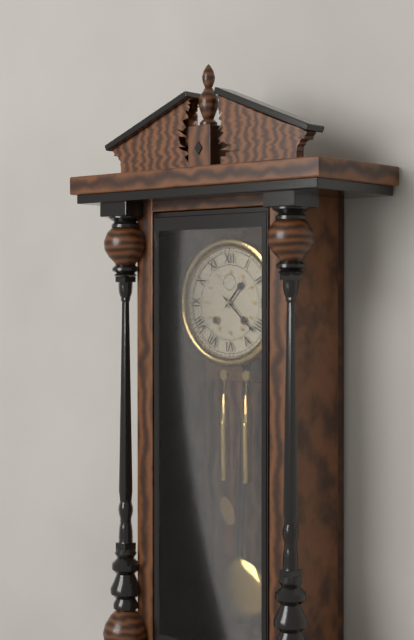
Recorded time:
1 h 22 min
